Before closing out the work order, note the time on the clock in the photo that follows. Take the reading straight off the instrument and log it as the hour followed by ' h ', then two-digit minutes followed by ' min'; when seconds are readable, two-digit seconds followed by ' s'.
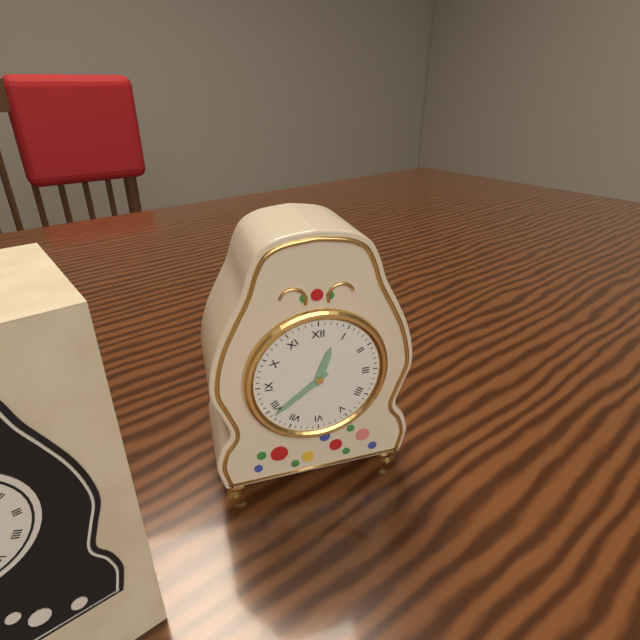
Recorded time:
12 h 39 min
